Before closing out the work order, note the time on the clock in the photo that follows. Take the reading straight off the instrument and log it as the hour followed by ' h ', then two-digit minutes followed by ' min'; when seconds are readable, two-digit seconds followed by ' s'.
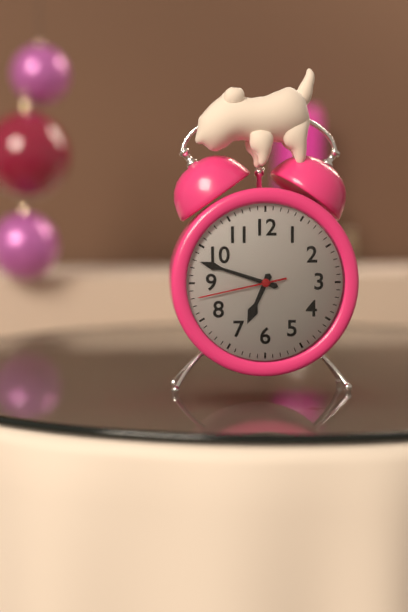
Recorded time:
6 h 48 min 43 s
